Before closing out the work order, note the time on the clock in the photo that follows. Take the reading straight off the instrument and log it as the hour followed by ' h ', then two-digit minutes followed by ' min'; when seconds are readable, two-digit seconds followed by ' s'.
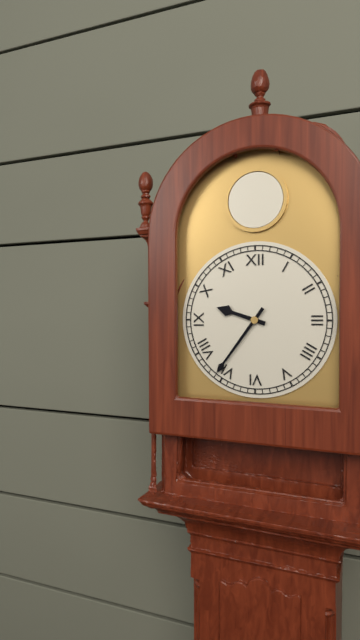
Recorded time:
9 h 36 min
